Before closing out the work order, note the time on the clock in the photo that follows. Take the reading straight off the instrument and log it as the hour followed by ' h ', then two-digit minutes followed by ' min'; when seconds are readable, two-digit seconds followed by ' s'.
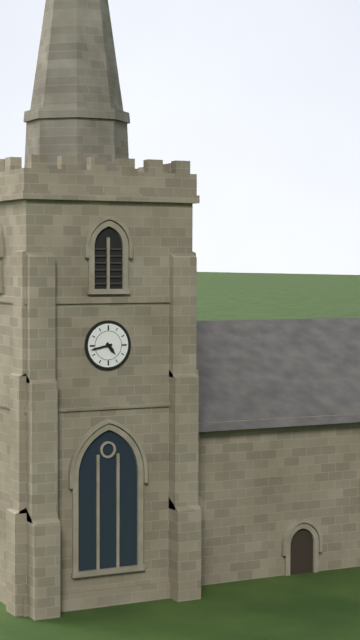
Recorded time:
4 h 43 min
